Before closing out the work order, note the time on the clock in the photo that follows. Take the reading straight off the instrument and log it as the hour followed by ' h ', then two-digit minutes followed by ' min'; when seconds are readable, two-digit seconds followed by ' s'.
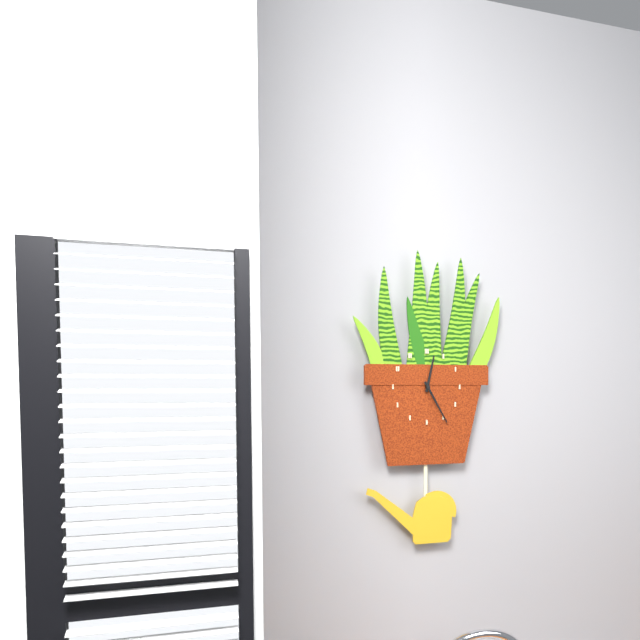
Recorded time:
12 h 25 min
